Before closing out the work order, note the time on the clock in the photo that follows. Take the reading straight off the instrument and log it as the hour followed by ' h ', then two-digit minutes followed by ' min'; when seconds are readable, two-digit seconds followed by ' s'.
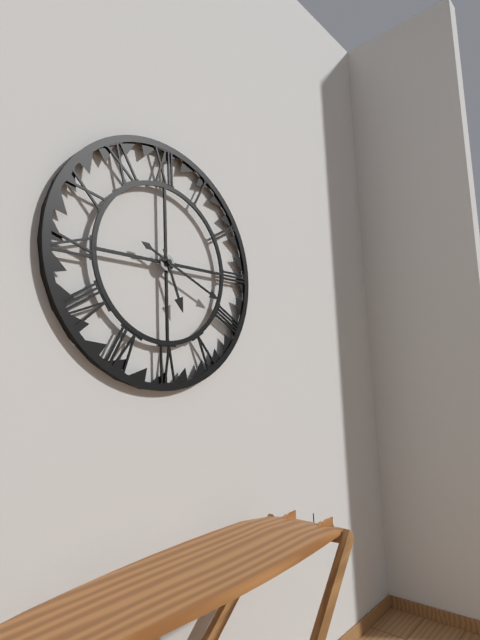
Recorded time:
5 h 19 min
